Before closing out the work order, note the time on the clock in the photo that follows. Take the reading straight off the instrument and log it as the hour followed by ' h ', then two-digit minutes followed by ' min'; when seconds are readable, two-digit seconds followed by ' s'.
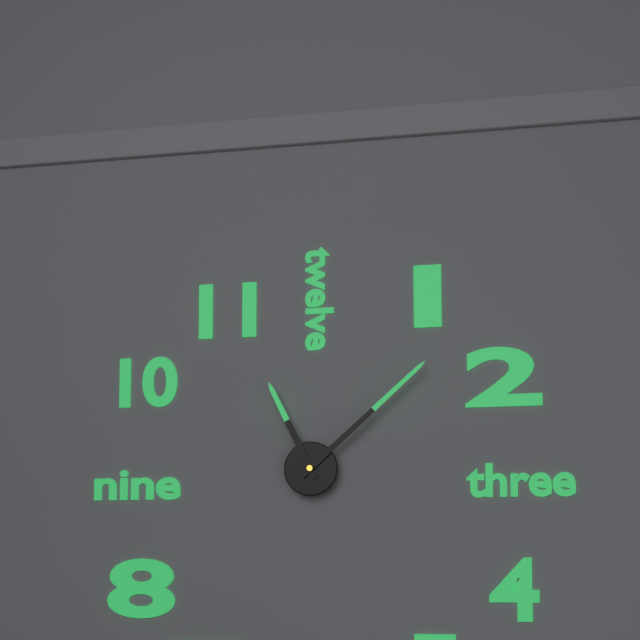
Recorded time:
11 h 08 min
